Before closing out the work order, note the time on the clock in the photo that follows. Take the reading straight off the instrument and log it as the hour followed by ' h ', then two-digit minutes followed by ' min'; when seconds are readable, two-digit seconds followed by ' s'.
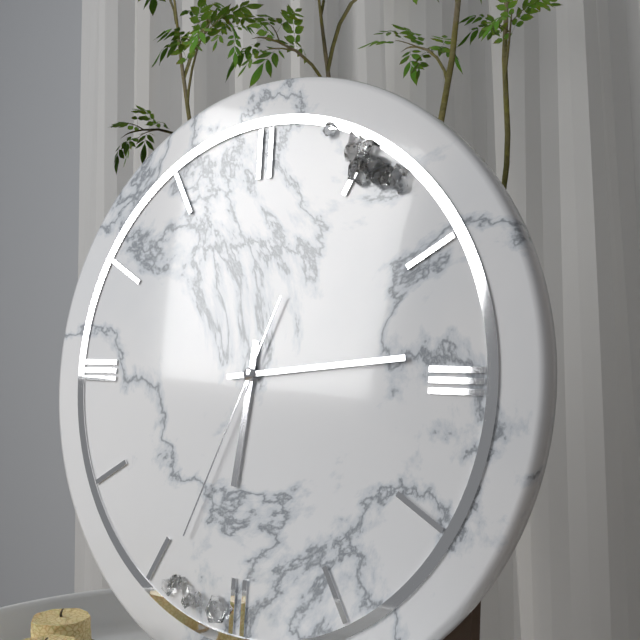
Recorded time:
6 h 14 min 34 s
